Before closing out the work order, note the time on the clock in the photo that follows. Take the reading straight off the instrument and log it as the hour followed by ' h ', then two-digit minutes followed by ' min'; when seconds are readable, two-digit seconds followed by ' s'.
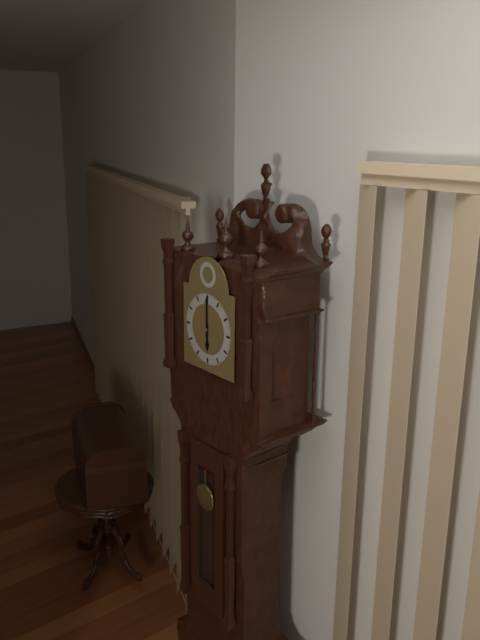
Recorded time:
6 h 00 min
